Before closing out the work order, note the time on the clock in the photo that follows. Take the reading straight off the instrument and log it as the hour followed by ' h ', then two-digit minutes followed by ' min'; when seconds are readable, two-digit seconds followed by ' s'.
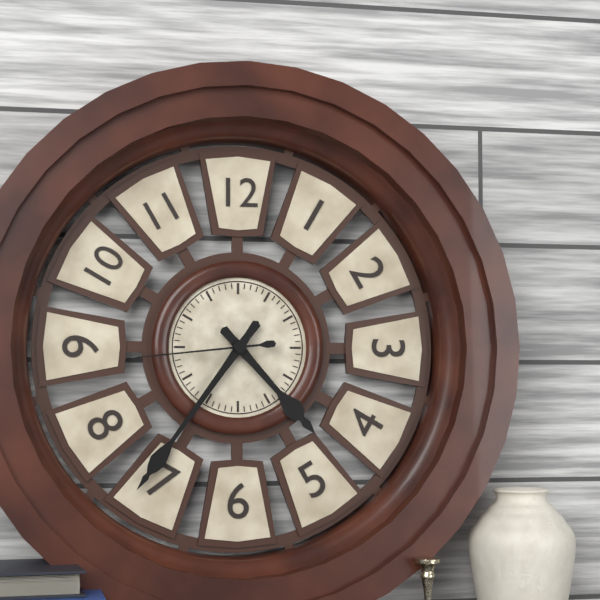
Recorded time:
4 h 36 min 44 s
